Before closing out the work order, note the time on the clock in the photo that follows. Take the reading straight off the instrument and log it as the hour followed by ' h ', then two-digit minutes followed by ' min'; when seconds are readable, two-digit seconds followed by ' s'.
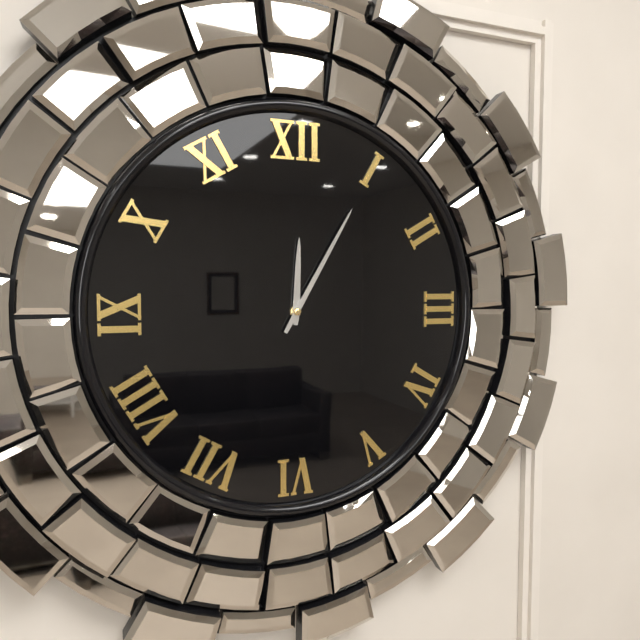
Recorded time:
12 h 05 min
